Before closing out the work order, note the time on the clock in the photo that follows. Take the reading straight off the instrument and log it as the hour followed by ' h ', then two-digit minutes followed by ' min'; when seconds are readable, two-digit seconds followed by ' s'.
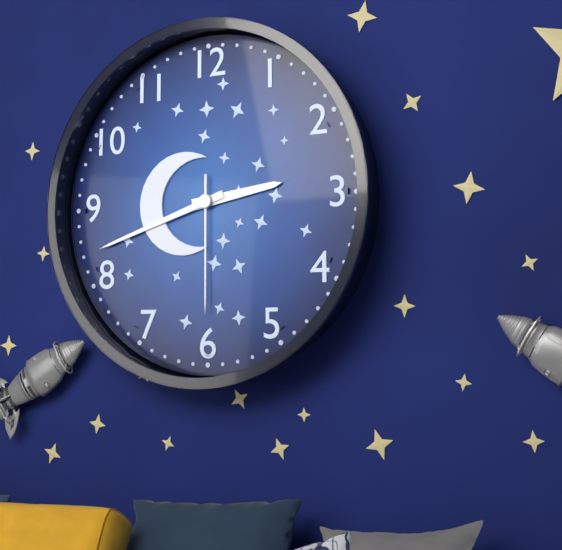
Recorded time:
2 h 42 min 30 s
